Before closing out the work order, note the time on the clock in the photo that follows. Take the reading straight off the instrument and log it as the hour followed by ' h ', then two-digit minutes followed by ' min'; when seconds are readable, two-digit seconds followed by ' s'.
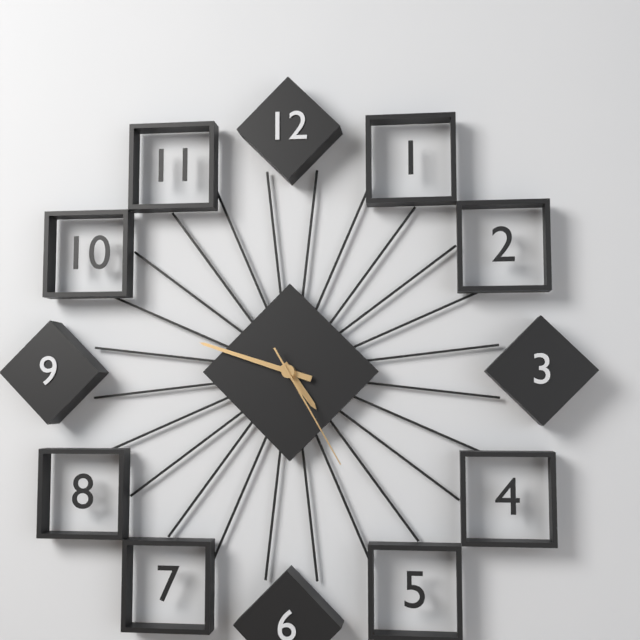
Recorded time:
4 h 48 min 25 s
